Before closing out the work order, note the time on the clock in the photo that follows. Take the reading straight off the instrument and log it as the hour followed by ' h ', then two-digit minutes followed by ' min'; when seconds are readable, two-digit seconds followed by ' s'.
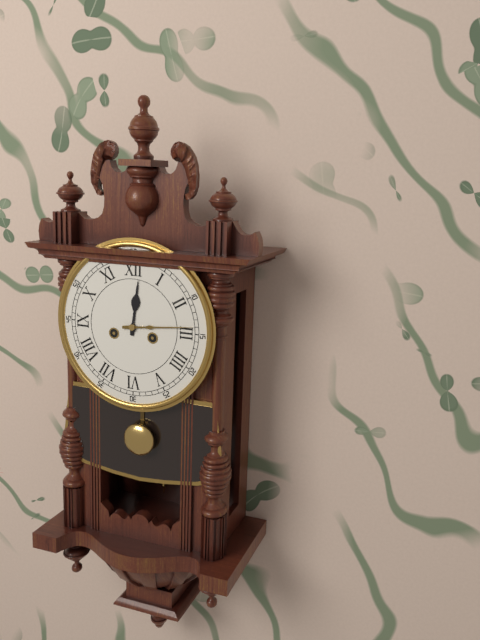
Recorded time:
12 h 14 min
